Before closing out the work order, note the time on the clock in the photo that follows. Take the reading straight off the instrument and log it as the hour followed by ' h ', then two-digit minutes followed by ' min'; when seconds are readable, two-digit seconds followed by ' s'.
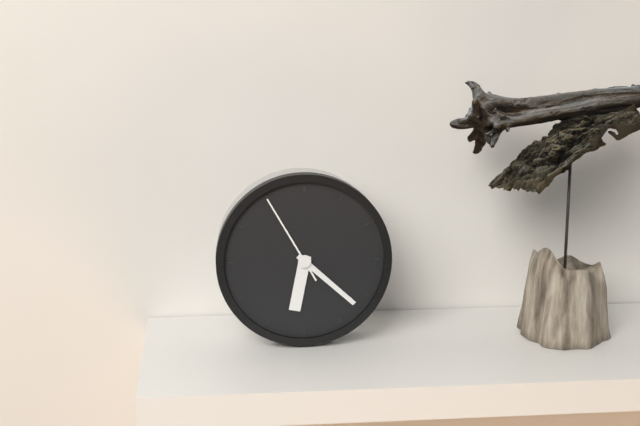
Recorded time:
6 h 22 min 55 s
